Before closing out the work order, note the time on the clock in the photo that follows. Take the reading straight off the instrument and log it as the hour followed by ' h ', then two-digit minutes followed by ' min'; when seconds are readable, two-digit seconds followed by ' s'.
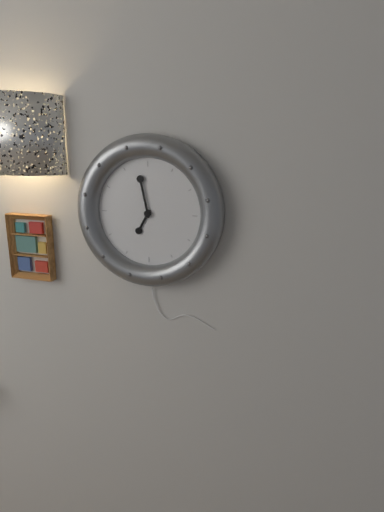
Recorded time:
6 h 58 min
